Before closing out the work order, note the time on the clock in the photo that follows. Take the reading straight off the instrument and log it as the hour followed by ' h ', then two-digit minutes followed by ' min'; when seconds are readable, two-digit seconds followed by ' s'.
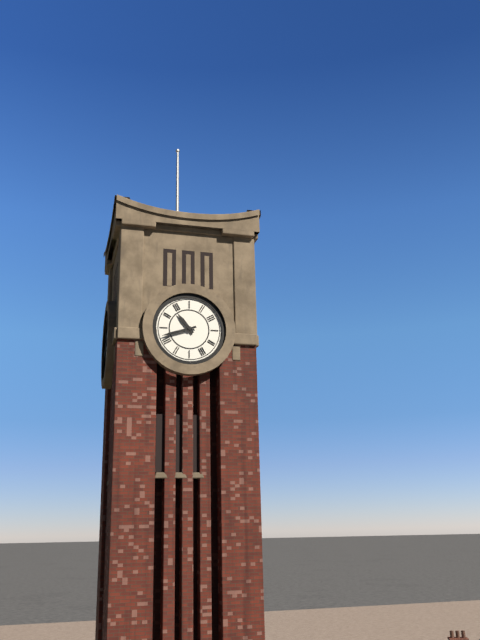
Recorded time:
10 h 42 min
